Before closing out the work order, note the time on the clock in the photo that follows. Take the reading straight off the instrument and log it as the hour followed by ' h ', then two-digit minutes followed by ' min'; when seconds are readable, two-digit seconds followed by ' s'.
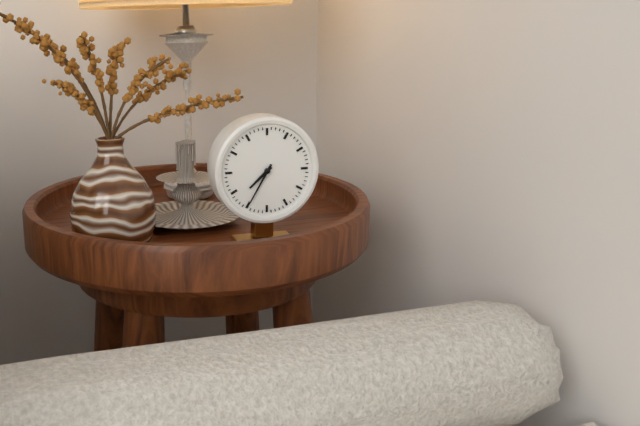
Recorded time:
7 h 35 min
